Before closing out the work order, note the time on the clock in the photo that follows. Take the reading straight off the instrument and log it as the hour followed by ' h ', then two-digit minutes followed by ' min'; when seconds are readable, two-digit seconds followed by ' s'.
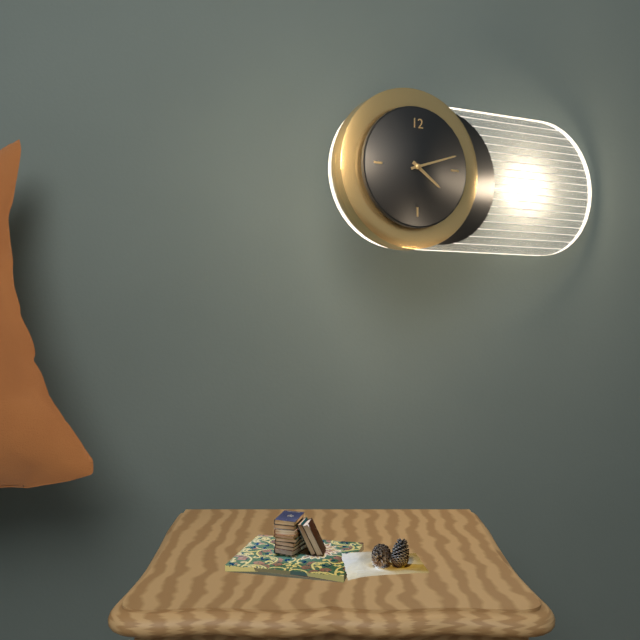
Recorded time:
4 h 12 min
